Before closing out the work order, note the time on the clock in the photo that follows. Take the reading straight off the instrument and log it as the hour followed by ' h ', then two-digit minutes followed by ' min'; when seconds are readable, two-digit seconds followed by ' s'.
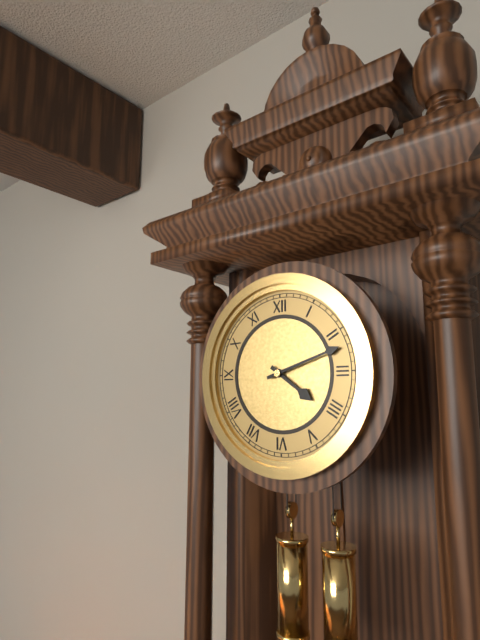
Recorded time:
4 h 12 min
